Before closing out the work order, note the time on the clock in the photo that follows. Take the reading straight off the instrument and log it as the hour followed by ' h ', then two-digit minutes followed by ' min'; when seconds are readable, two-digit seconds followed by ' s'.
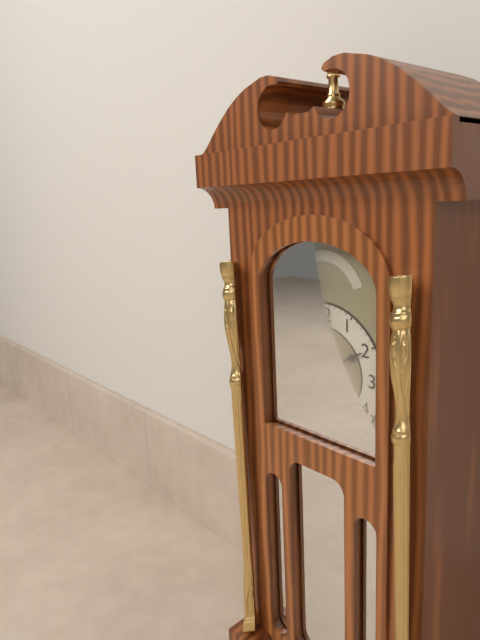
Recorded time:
6 h 10 min
